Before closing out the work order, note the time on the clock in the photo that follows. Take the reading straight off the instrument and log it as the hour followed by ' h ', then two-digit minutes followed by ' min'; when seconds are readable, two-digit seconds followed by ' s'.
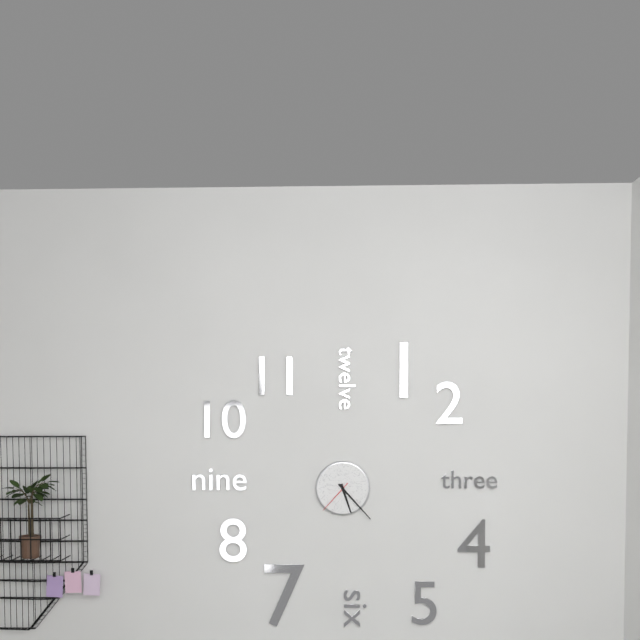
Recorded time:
5 h 23 min
